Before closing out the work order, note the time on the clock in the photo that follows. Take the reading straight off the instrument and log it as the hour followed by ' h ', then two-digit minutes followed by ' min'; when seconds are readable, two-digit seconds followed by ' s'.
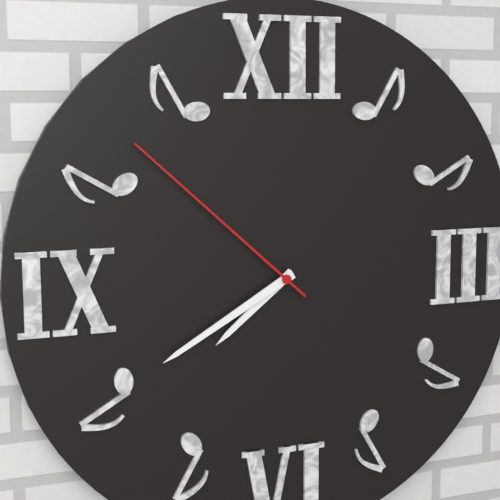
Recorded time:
7 h 40 min 52 s
